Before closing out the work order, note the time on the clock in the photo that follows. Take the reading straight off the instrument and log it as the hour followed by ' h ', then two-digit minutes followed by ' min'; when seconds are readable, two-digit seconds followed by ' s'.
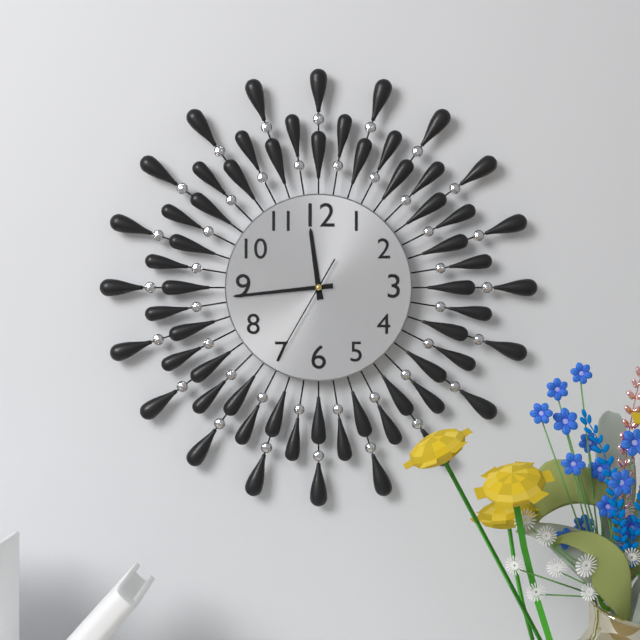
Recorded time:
11 h 44 min 35 s
